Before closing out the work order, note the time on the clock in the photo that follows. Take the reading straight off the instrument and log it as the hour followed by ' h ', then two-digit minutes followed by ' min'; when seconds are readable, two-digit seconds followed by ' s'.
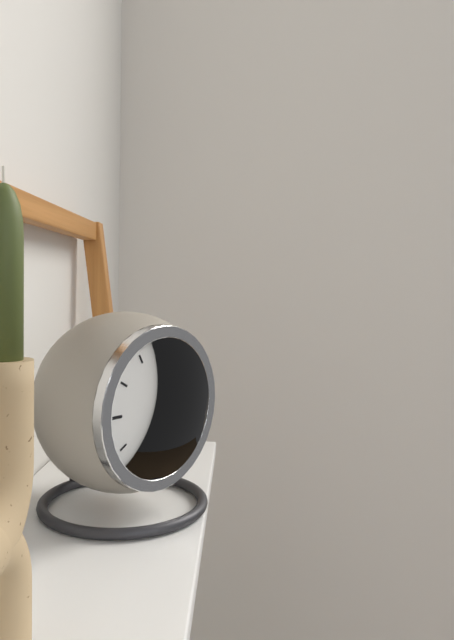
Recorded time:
2 h 24 min 29 s
